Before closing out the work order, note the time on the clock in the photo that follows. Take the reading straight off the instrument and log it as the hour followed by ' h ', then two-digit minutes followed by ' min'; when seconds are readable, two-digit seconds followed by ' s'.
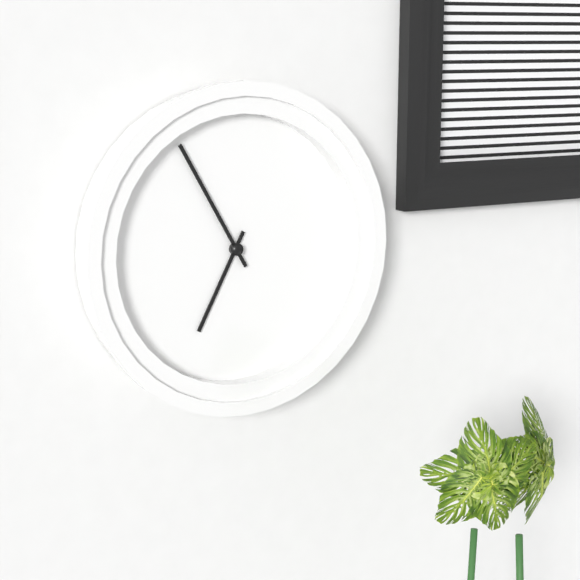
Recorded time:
6 h 55 min
